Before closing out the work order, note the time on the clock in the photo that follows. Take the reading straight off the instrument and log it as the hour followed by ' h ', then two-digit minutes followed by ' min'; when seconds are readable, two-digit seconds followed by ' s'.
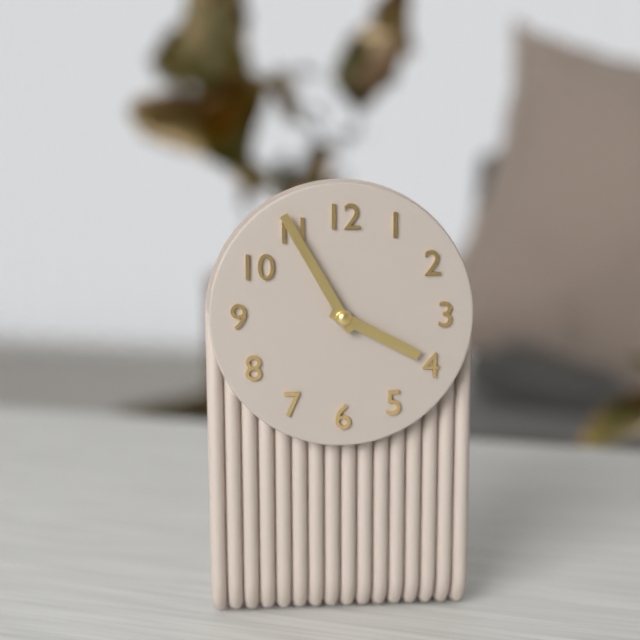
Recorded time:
3 h 55 min
